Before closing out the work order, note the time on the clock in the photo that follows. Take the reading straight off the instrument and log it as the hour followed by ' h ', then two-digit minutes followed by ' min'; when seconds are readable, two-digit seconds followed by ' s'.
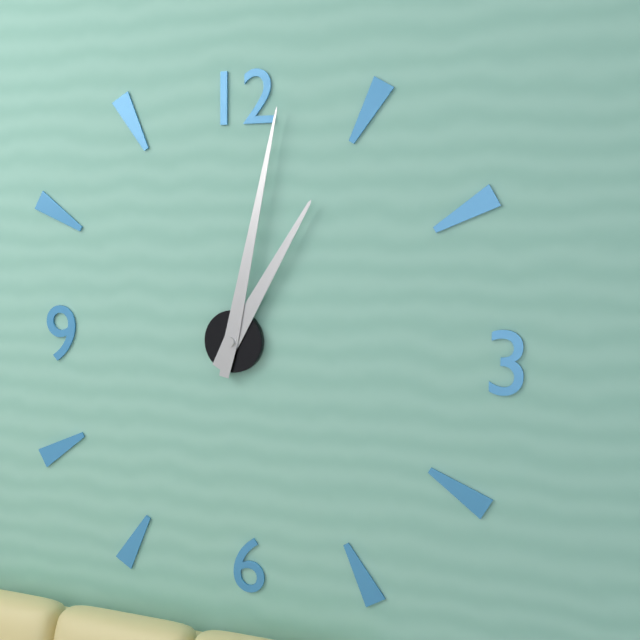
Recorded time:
1 h 02 min
